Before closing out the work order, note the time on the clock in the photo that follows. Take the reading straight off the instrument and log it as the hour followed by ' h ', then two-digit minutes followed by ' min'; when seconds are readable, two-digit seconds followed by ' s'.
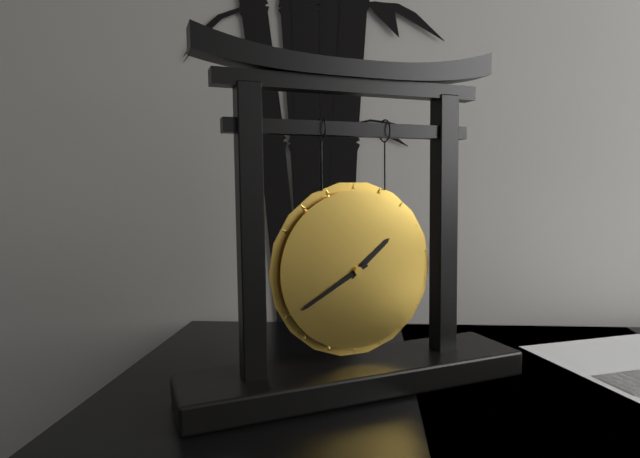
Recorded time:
1 h 40 min
